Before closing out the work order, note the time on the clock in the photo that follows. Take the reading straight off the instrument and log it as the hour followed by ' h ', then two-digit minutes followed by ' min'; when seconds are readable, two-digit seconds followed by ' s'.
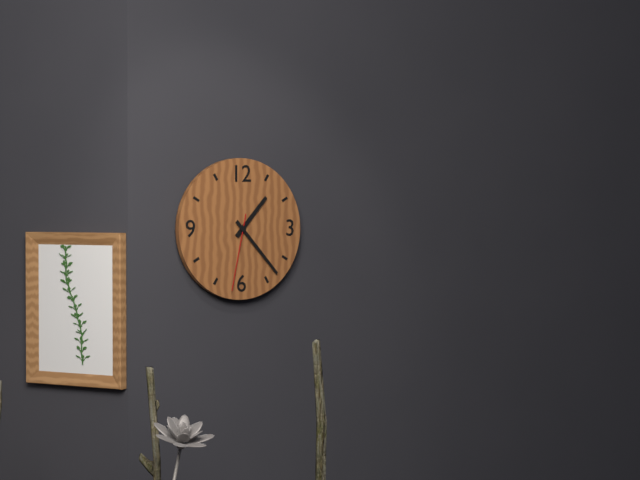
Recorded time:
1 h 23 min 32 s
